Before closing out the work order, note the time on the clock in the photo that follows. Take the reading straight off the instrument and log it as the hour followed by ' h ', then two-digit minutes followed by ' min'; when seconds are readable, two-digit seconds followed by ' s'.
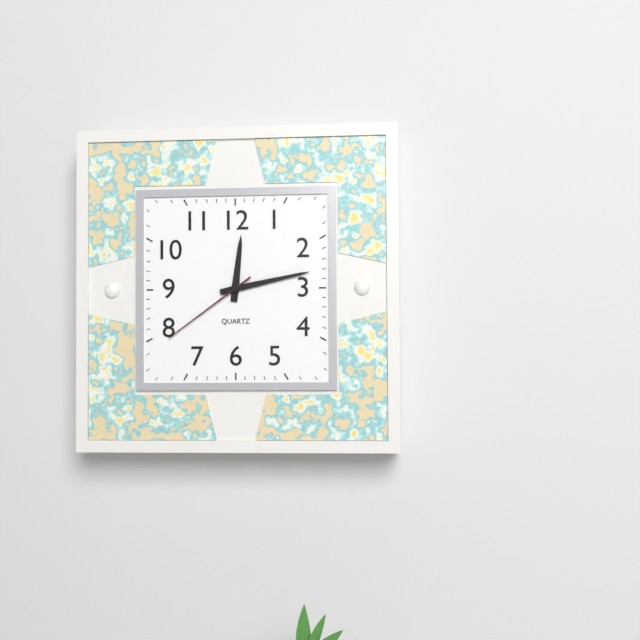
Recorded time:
12 h 13 min 39 s
